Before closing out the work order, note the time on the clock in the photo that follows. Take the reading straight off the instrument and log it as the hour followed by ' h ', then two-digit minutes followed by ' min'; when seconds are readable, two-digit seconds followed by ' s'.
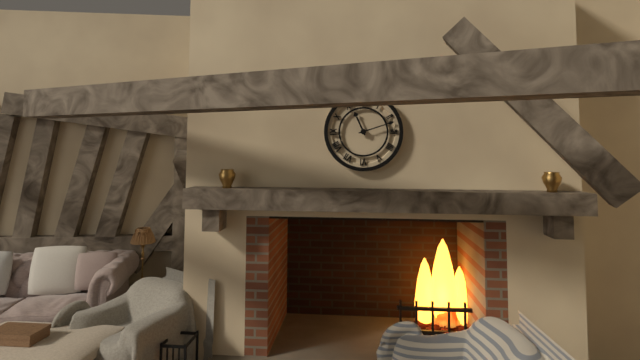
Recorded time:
11 h 12 min
